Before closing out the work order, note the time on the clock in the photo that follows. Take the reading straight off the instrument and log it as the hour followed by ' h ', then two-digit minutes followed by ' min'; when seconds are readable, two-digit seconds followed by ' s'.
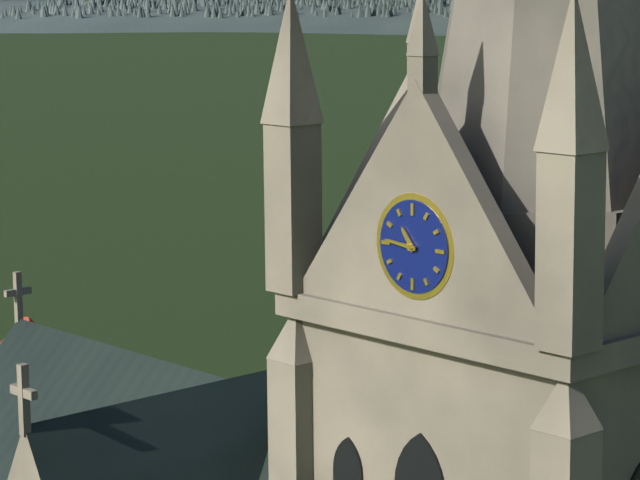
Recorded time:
10 h 46 min
